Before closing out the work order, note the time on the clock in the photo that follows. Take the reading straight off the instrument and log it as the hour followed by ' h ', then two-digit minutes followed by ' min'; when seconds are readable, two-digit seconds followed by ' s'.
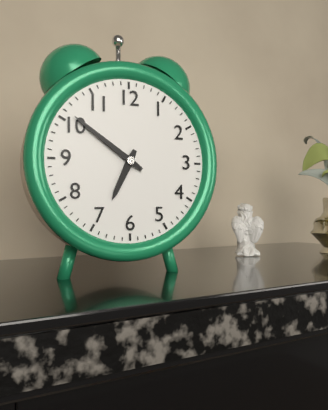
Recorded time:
6 h 51 min
